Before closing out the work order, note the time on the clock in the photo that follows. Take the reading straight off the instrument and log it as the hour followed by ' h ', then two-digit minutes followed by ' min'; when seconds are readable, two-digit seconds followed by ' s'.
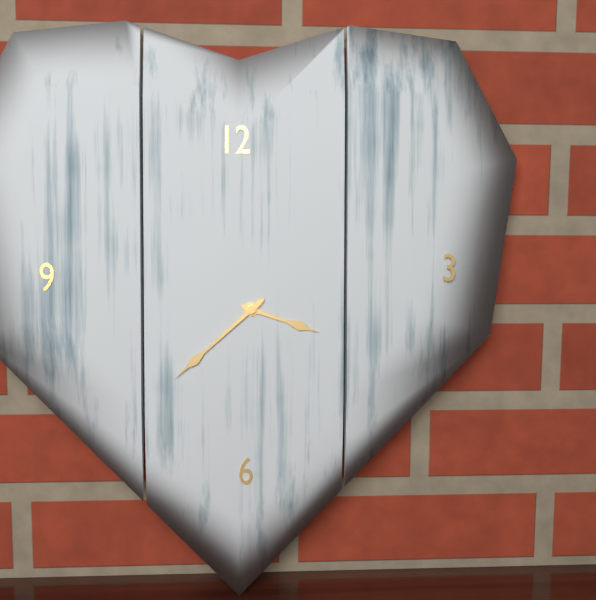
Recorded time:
3 h 38 min
